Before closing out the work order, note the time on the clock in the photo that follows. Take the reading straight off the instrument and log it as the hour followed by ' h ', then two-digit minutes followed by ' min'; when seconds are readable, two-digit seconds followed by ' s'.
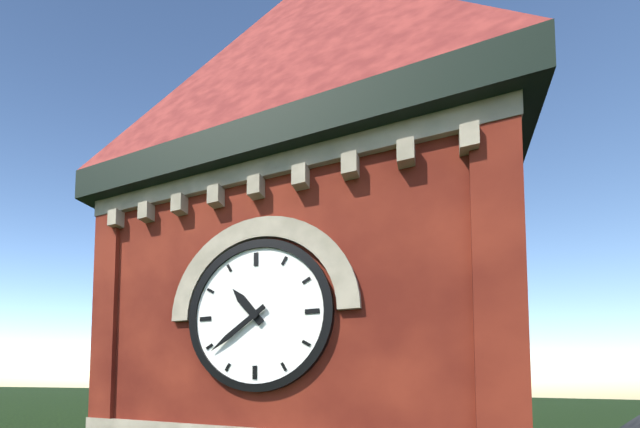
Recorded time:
10 h 39 min
